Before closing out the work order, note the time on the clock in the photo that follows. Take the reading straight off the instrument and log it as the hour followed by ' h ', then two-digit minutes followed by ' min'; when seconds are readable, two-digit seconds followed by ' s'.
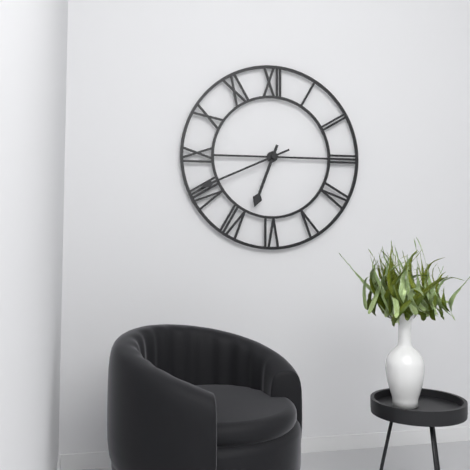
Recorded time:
6 h 41 min
